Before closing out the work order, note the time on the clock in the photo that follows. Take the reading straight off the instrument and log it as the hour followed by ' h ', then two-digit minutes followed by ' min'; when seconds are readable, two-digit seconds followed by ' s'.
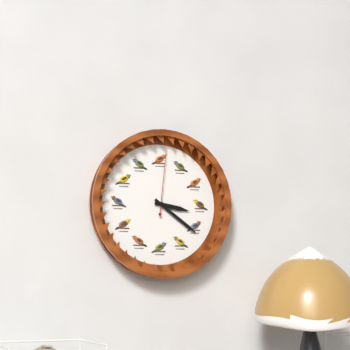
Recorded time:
3 h 21 min 01 s
